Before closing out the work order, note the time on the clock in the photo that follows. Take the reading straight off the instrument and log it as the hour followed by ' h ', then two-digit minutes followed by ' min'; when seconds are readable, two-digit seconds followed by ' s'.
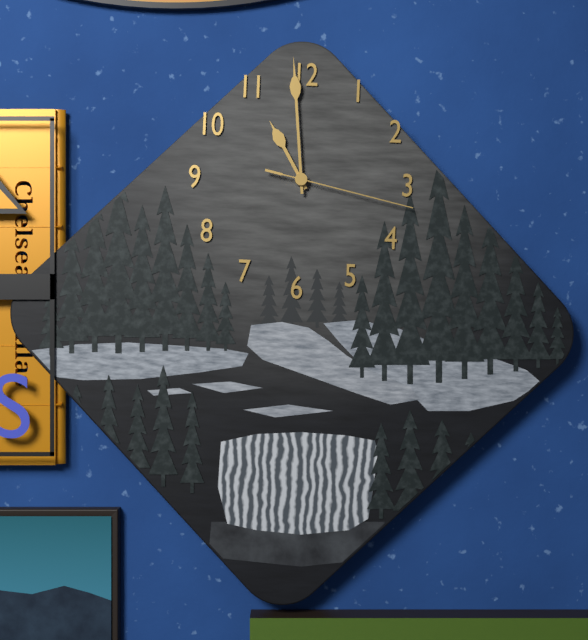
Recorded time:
10 h 59 min 17 s
